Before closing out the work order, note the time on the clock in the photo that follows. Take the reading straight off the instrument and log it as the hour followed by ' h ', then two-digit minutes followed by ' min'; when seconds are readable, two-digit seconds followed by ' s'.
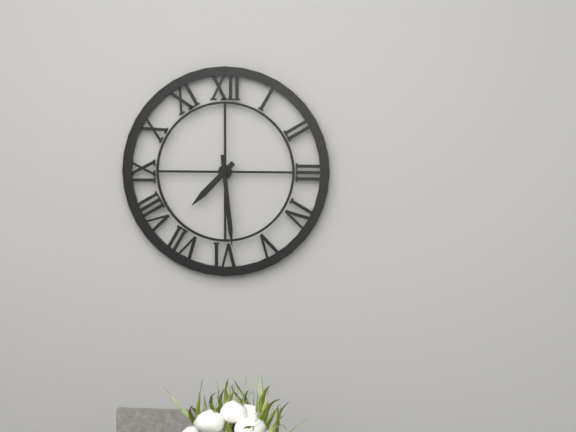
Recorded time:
7 h 29 min
